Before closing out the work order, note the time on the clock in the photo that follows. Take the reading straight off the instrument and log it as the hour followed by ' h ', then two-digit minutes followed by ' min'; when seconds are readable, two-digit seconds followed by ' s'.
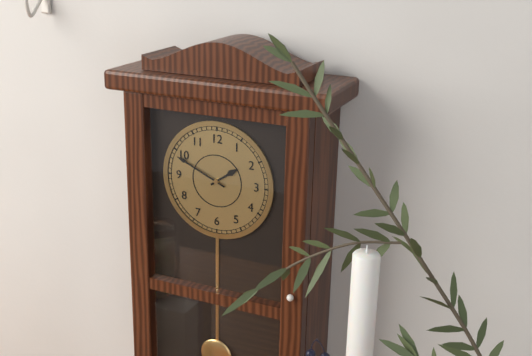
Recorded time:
1 h 49 min
